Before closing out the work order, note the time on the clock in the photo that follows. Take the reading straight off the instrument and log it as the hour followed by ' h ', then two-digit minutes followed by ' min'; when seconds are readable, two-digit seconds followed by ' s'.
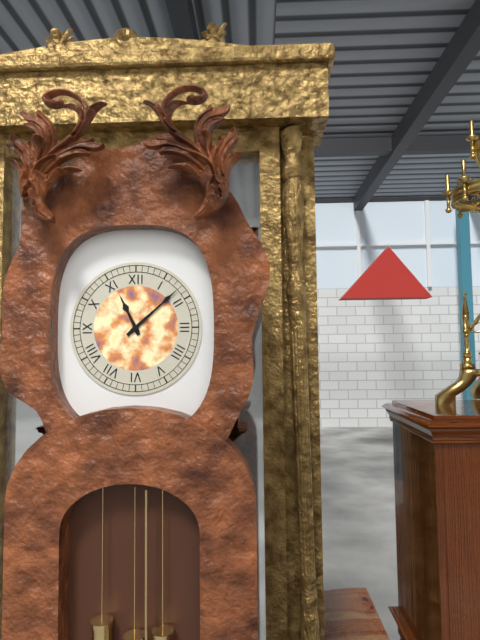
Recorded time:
11 h 08 min
